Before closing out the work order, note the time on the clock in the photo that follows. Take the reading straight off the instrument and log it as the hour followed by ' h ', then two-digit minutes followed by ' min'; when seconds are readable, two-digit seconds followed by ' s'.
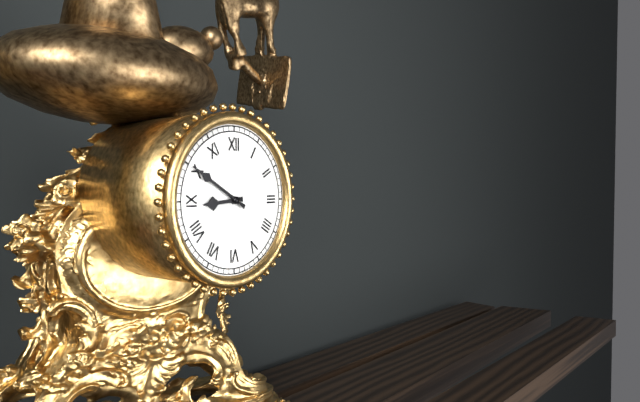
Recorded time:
8 h 50 min
